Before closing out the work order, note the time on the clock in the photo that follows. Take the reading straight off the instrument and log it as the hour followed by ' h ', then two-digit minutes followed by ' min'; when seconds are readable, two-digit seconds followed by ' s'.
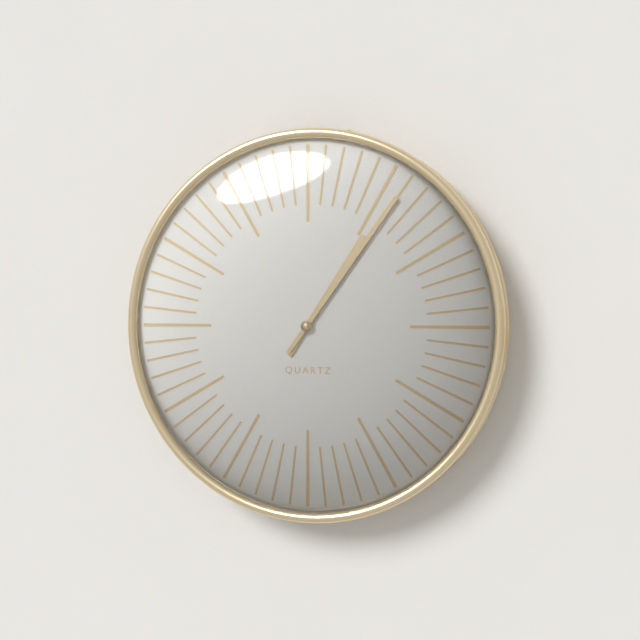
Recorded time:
1 h 06 min
